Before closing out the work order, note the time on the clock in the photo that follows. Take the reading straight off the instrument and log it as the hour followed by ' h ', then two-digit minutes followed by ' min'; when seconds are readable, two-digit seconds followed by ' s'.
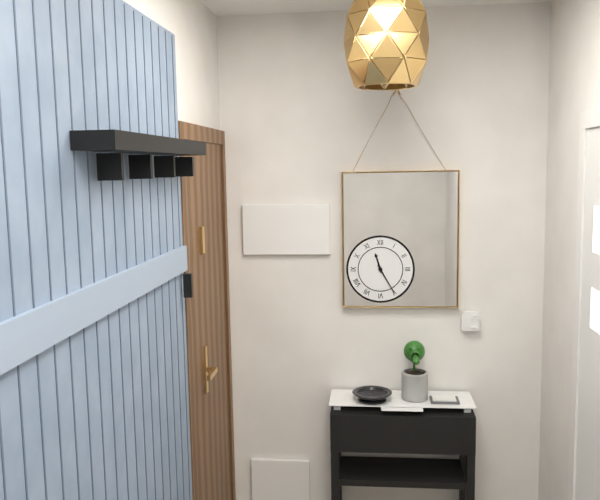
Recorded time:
11 h 25 min
